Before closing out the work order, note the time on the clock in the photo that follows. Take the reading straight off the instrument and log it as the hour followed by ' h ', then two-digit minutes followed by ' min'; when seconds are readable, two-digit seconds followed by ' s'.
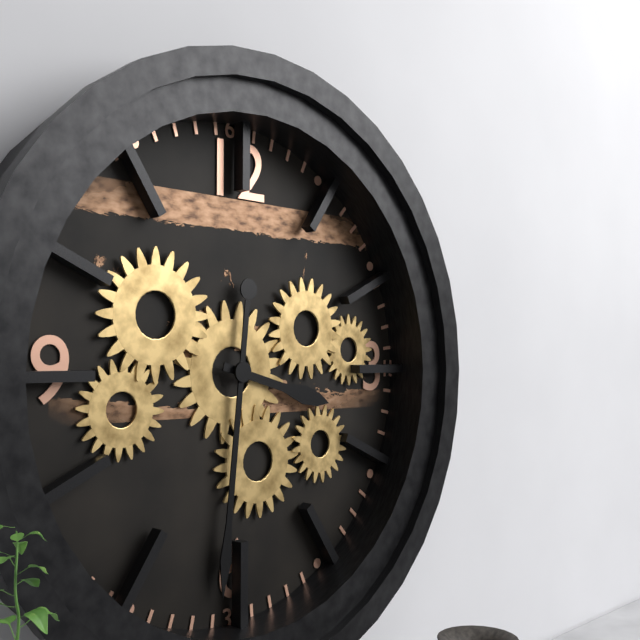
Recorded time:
3 h 31 min
